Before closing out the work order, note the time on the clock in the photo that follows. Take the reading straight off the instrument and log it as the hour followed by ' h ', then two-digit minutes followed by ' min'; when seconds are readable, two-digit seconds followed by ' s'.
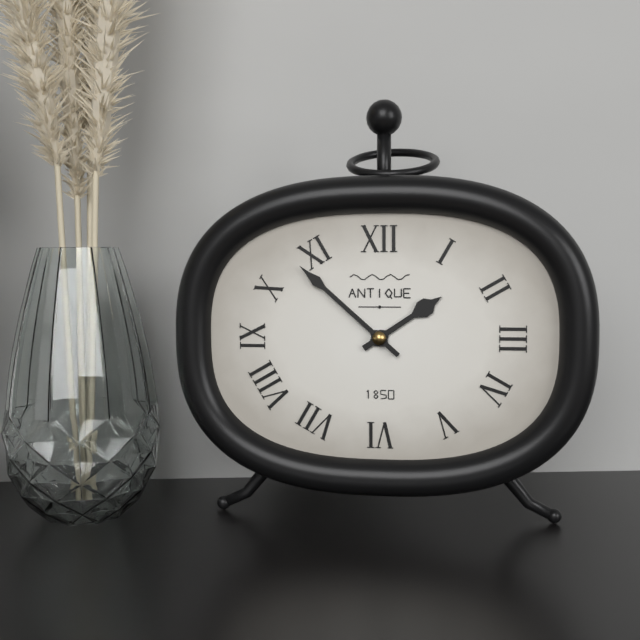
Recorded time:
1 h 52 min
